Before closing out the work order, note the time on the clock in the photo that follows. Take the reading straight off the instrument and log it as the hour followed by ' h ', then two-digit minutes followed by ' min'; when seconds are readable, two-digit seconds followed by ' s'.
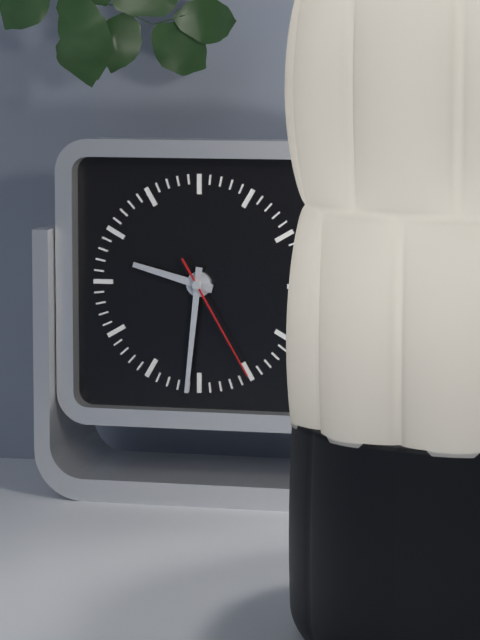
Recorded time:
9 h 31 min 25 s
